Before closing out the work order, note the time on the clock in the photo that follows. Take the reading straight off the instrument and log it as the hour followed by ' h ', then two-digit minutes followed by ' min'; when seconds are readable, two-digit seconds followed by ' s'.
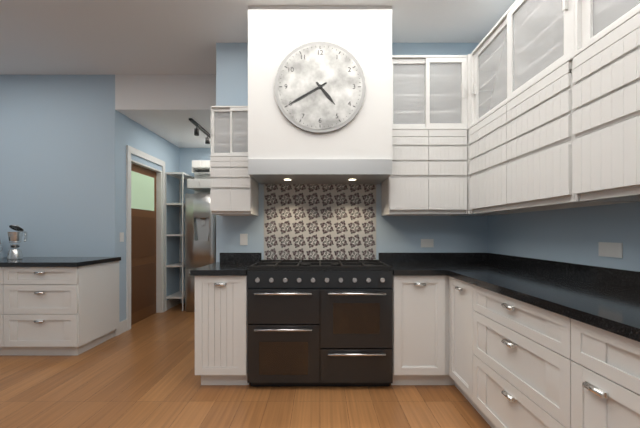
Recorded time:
4 h 40 min
